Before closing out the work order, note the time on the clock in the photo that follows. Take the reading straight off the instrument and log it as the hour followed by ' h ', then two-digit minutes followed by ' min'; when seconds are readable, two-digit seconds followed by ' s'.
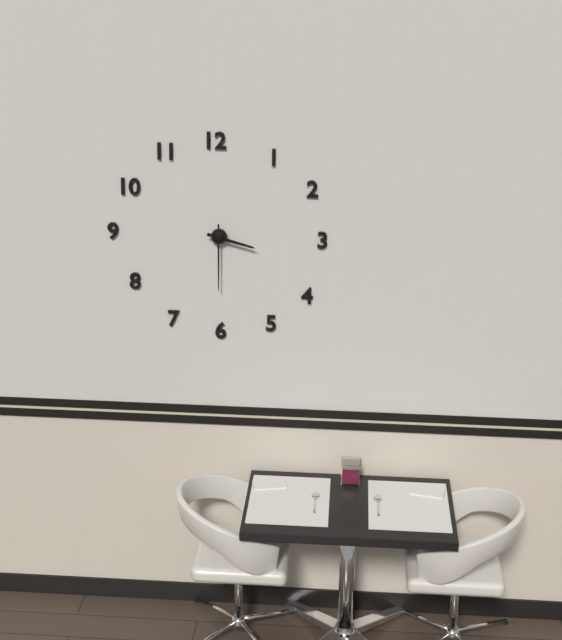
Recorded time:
3 h 30 min
